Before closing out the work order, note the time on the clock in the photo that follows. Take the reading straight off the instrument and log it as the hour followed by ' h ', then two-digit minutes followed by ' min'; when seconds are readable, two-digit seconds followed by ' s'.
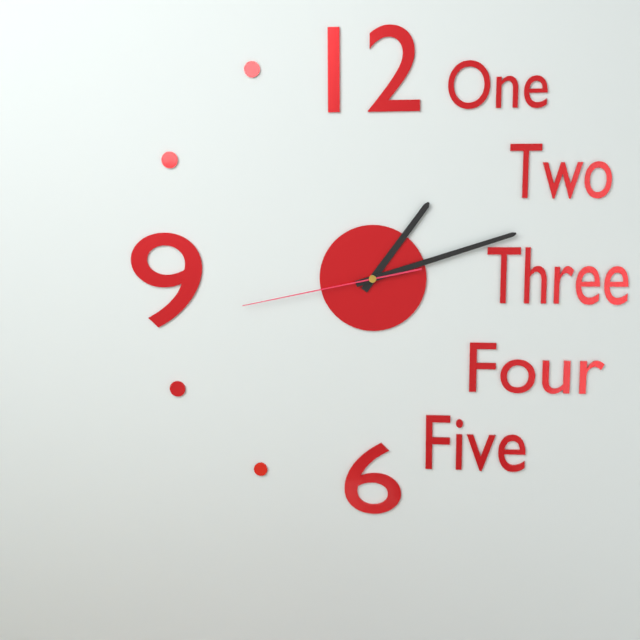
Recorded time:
1 h 12 min 43 s
